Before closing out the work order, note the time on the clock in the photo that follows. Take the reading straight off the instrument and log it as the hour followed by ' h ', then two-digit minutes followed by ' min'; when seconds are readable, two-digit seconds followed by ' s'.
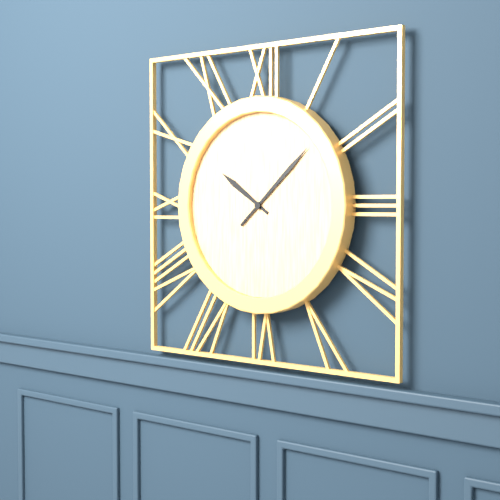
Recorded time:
10 h 08 min
